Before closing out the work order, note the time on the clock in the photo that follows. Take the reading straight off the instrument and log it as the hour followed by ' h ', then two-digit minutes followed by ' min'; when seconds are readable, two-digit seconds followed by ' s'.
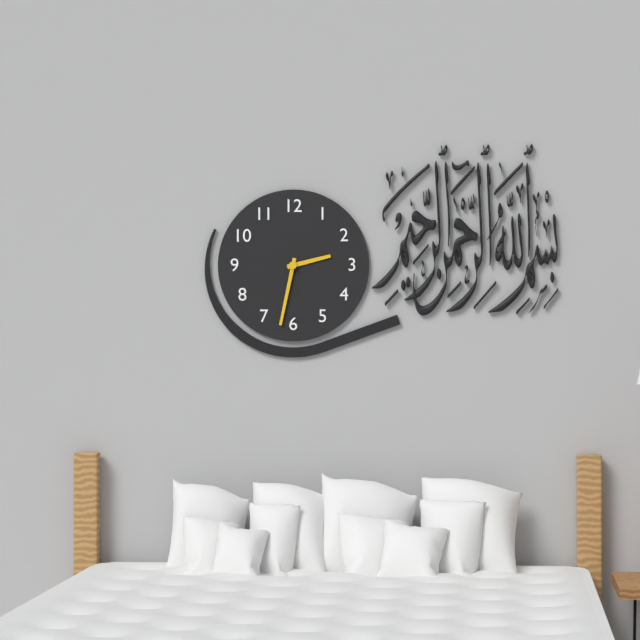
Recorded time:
2 h 32 min
